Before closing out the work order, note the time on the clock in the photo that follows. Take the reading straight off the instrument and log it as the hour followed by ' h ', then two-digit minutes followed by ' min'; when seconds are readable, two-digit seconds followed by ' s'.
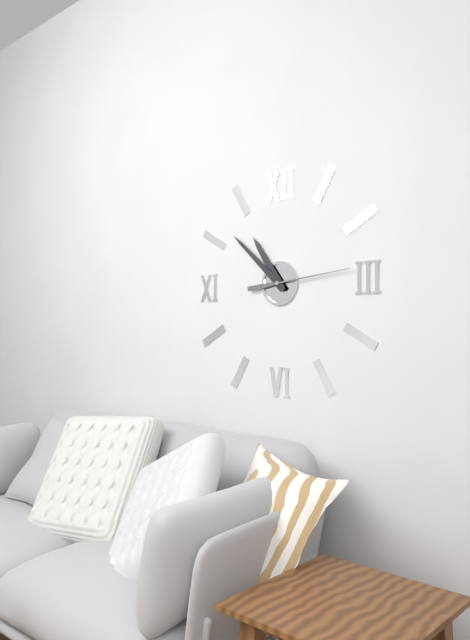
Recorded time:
10 h 52 min 14 s
